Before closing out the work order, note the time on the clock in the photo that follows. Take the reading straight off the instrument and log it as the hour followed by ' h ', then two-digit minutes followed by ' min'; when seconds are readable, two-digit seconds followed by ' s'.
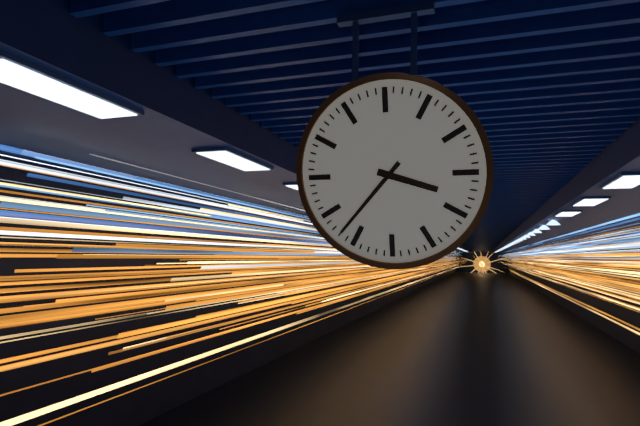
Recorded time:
3 h 37 min
